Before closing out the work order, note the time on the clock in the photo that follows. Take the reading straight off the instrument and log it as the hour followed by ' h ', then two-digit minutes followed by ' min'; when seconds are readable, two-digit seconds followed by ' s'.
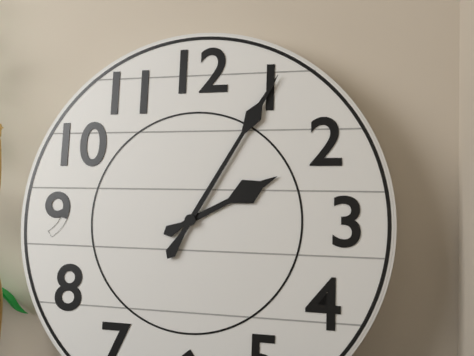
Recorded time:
2 h 05 min
